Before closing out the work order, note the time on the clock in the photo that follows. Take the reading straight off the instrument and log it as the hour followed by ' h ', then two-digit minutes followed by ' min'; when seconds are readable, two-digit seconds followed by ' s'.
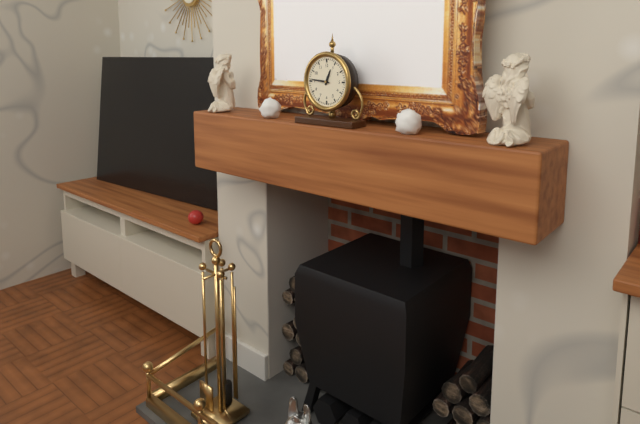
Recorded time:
12 h 46 min
